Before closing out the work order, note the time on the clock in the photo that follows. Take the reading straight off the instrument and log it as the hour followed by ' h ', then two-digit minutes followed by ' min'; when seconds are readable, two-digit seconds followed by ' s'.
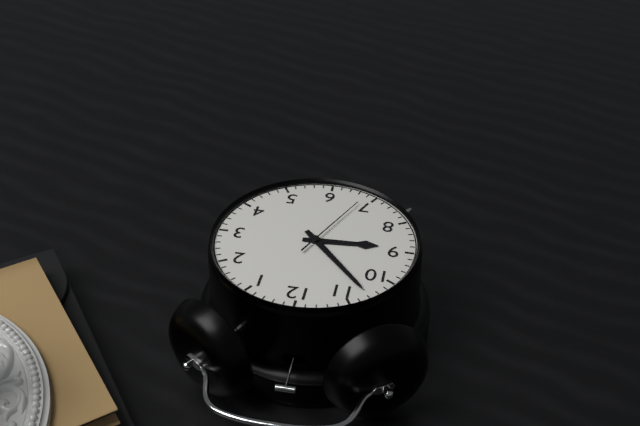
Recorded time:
8 h 53 min 34 s
